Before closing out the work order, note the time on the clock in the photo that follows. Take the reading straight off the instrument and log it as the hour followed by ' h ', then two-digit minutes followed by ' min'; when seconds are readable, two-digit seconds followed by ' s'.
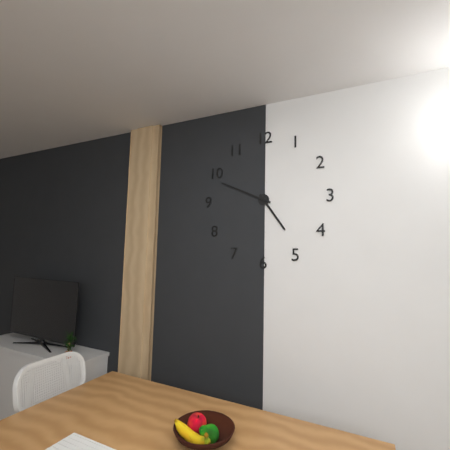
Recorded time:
4 h 49 min
